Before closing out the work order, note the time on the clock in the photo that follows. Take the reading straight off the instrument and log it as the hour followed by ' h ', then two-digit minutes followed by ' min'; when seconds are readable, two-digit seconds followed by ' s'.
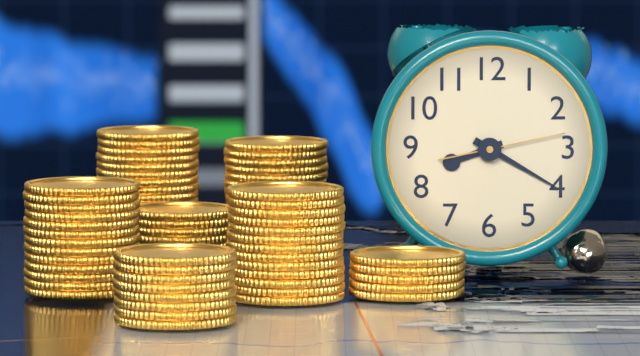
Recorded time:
8 h 20 min 13 s
